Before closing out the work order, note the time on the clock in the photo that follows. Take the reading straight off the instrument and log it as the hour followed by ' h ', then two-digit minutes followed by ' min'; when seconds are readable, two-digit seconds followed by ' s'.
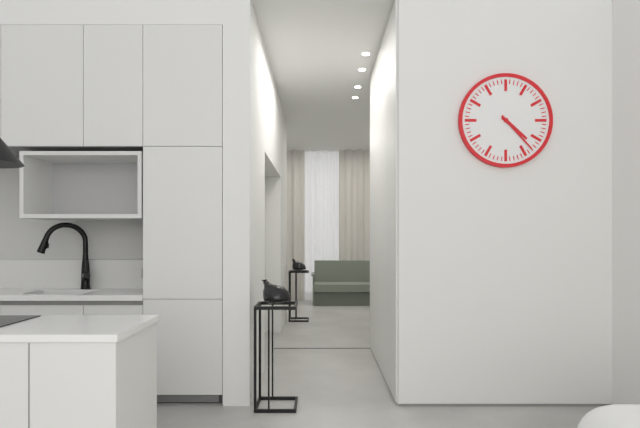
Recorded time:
4 h 23 min
